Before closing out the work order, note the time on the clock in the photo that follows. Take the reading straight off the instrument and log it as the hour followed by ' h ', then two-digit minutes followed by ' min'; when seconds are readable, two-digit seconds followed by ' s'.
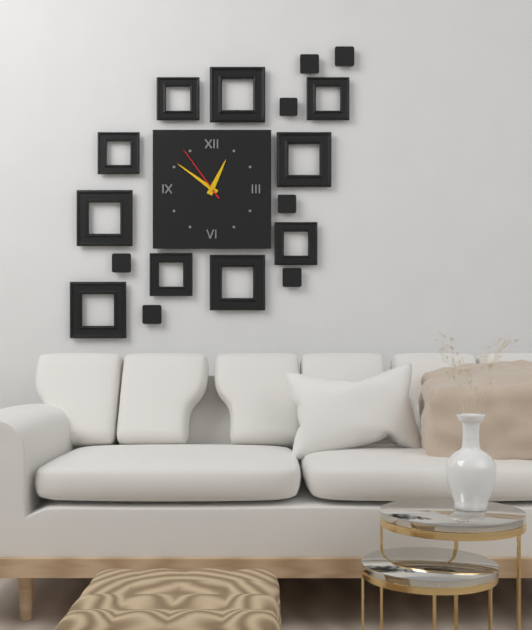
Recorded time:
12 h 51 min 54 s
